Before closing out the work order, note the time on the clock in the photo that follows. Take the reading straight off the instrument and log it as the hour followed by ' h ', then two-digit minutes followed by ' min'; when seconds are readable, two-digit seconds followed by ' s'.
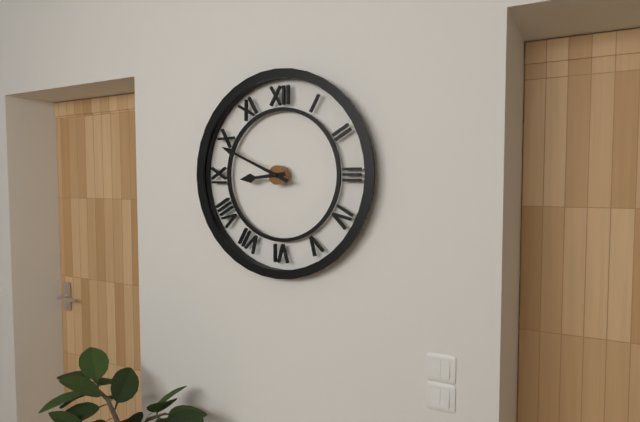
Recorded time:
8 h 49 min
